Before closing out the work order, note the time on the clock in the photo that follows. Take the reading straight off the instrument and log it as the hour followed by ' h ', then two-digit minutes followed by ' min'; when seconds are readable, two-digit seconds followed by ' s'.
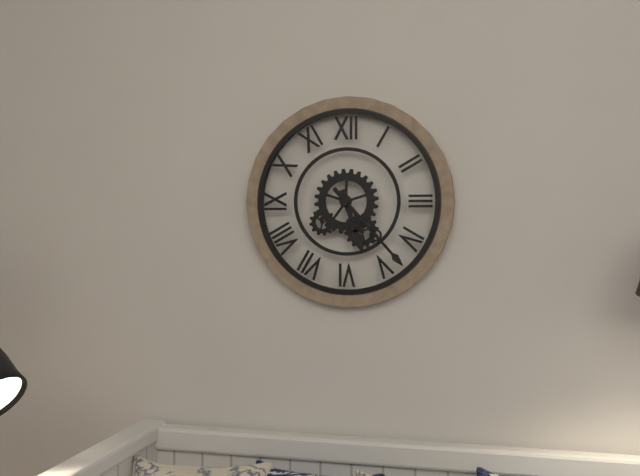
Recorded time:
5 h 23 min
